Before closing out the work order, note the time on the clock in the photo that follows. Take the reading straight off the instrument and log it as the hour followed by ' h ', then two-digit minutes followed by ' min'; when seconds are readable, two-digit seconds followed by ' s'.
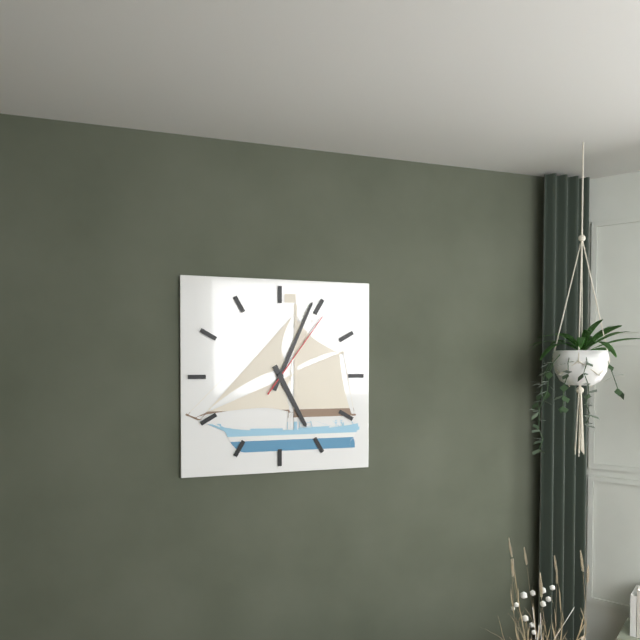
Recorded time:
5 h 04 min 06 s
